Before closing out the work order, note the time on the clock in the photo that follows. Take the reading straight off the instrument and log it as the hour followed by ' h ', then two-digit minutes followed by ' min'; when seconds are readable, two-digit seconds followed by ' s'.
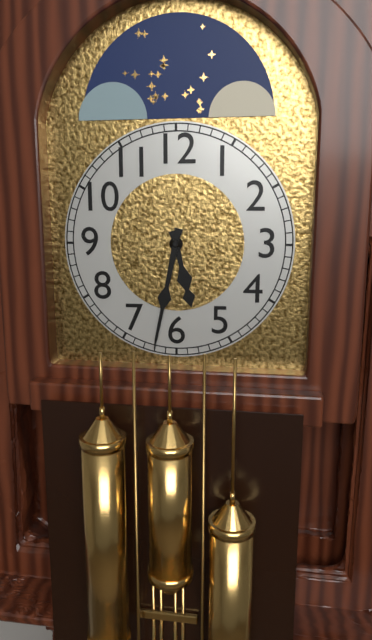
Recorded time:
5 h 32 min
